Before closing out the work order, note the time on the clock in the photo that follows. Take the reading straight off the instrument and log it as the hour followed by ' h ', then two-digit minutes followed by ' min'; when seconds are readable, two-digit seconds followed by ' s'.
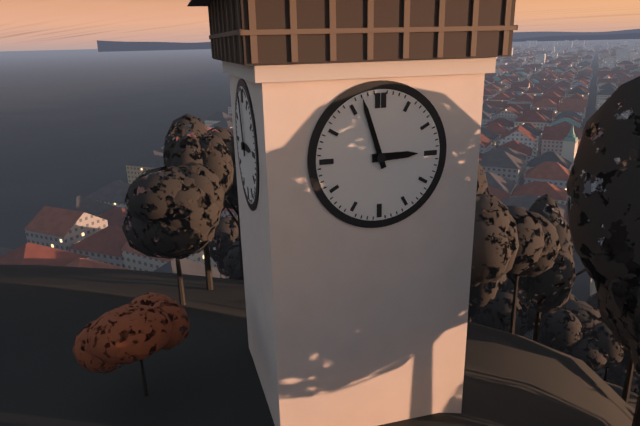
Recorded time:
2 h 57 min
